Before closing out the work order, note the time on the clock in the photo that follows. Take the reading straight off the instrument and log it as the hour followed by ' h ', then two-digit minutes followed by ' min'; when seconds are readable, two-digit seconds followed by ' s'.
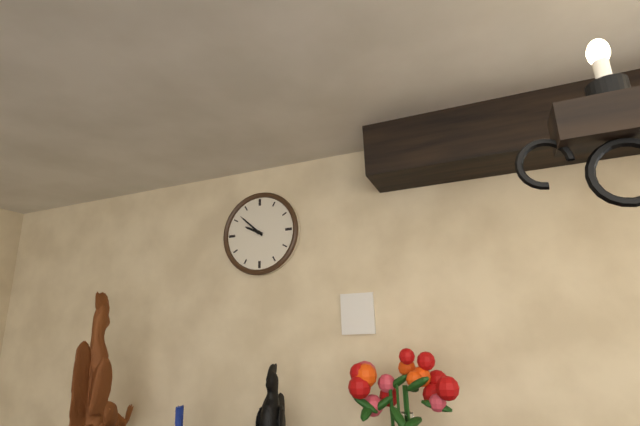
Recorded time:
9 h 52 min
